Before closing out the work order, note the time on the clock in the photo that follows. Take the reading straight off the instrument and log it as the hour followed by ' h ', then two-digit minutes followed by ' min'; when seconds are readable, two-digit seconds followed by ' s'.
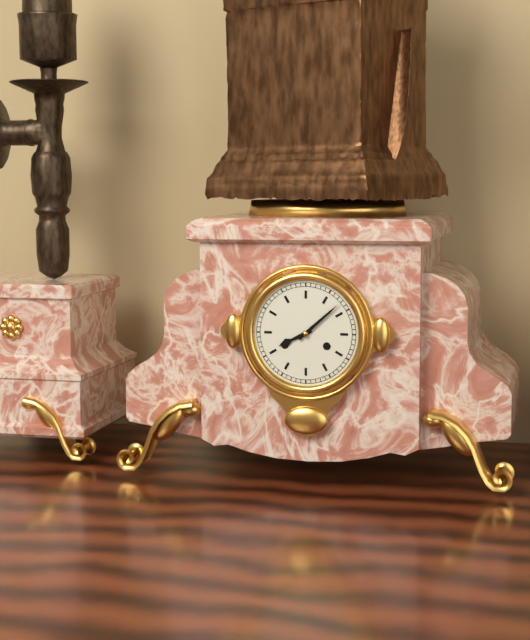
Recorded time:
8 h 08 min
